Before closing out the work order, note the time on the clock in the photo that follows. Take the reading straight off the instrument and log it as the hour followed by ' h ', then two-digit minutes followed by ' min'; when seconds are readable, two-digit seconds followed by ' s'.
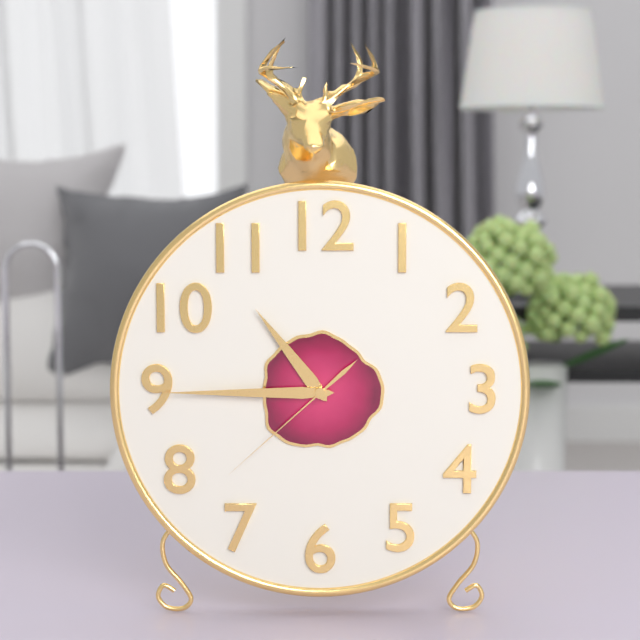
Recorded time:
10 h 45 min 38 s
